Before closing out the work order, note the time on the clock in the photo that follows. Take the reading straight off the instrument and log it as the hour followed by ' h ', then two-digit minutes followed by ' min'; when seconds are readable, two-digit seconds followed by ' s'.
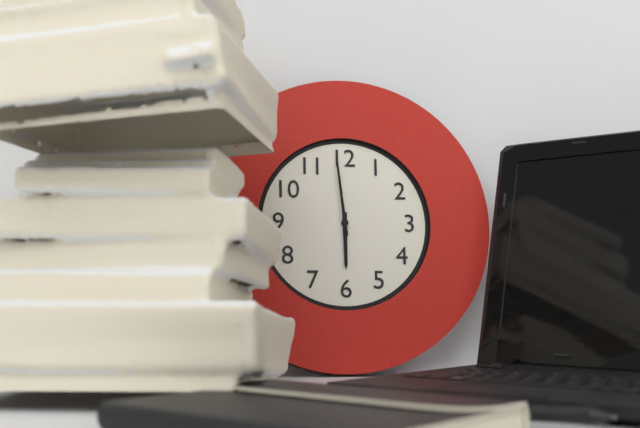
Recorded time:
5 h 59 min
